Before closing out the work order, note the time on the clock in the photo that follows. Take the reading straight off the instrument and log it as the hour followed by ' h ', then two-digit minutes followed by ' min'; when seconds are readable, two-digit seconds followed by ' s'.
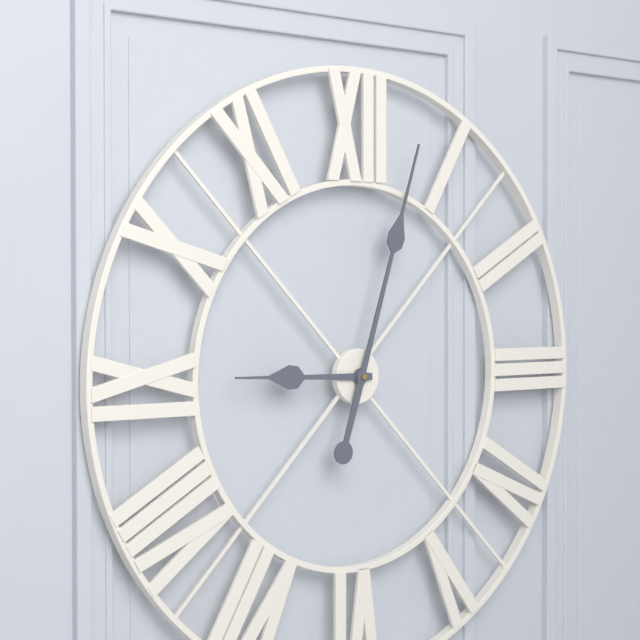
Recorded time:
9 h 03 min
